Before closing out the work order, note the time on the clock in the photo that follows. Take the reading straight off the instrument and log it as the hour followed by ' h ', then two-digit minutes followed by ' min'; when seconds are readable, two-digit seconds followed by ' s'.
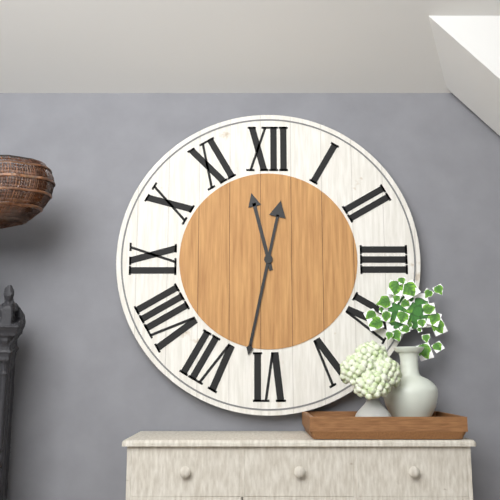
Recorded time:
11 h 32 min
